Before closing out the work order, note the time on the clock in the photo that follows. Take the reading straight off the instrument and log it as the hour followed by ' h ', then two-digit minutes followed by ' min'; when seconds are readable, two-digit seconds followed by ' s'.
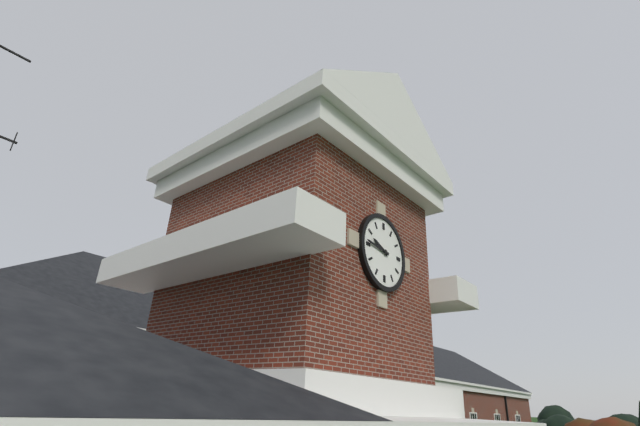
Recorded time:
9 h 46 min
